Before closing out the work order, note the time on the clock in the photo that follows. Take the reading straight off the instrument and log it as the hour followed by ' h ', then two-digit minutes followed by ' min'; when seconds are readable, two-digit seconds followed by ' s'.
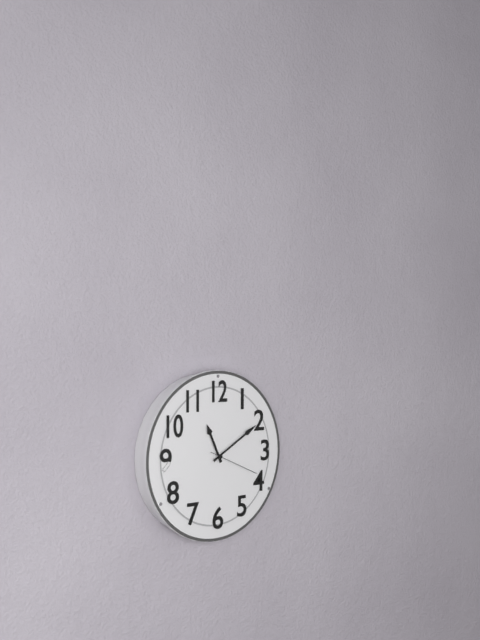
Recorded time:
11 h 10 min 19 s
